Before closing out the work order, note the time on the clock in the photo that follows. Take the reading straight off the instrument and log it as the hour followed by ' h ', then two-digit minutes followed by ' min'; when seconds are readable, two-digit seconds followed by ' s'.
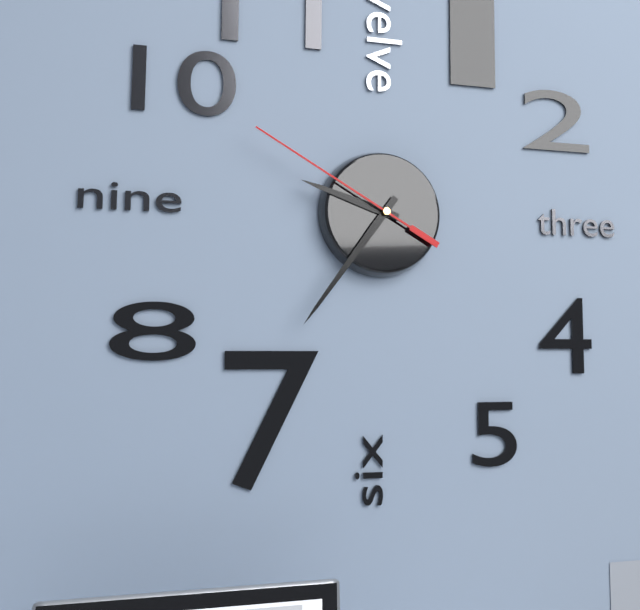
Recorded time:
9 h 36 min 50 s
